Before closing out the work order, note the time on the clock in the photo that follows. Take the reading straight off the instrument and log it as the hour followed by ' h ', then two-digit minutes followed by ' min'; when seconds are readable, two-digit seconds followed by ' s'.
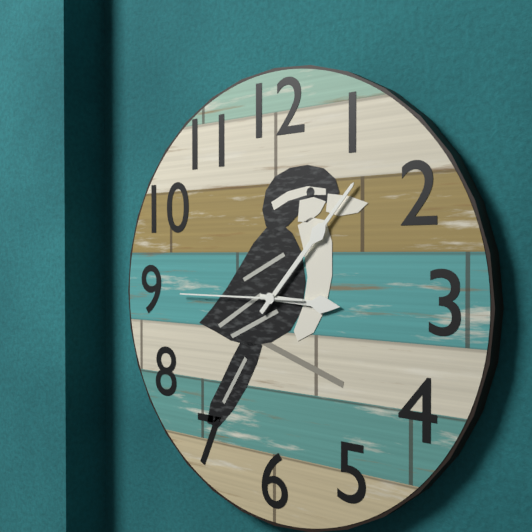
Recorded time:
3 h 07 min 45 s
